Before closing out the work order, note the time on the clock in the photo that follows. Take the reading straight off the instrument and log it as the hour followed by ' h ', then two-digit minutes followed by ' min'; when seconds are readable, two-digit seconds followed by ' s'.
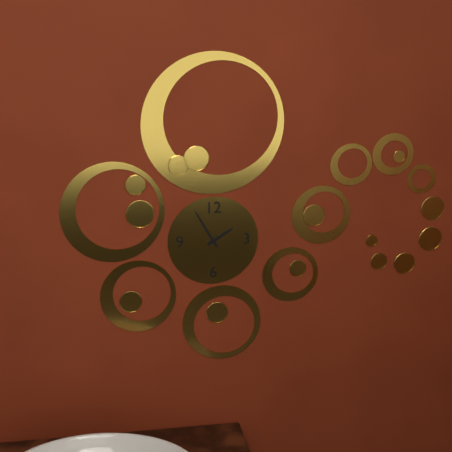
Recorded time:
1 h 55 min
